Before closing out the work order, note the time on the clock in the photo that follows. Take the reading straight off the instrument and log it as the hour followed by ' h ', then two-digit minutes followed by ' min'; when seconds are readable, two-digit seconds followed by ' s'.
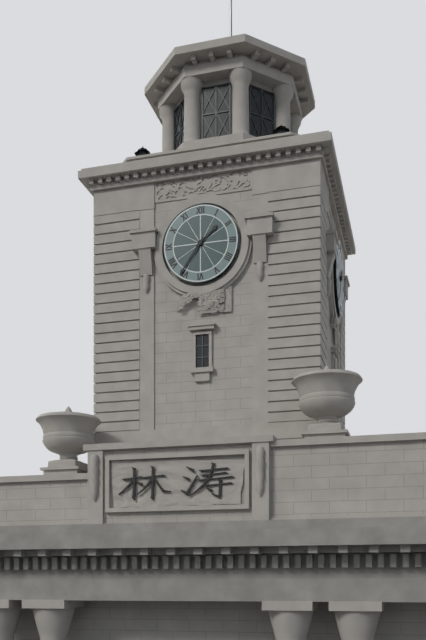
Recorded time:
1 h 36 min
